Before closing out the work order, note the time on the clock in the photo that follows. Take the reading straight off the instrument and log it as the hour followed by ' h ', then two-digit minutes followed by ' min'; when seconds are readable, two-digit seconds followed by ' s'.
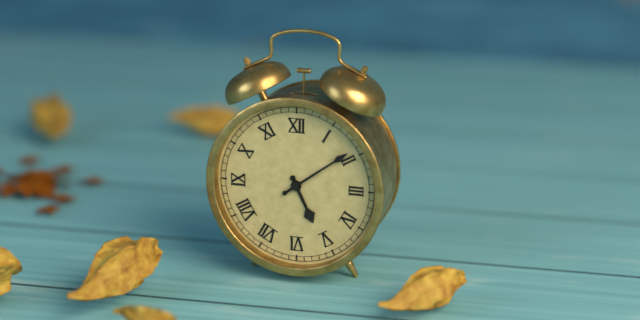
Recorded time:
5 h 09 min
